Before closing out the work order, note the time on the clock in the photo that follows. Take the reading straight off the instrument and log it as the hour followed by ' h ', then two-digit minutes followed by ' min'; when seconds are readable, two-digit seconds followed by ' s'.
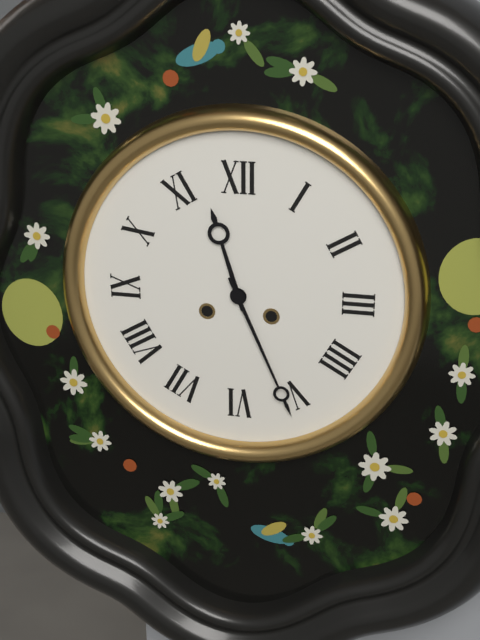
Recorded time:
11 h 26 min
